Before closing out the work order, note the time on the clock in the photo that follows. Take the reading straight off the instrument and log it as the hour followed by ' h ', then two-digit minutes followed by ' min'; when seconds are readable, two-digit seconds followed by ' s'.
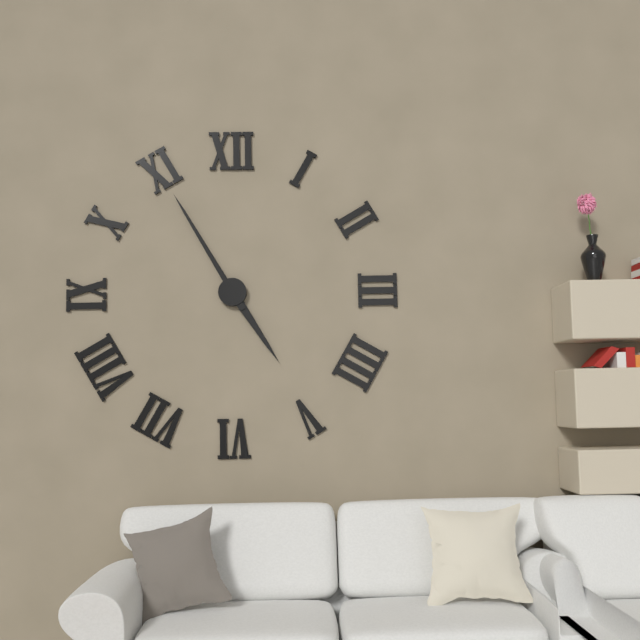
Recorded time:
4 h 55 min
